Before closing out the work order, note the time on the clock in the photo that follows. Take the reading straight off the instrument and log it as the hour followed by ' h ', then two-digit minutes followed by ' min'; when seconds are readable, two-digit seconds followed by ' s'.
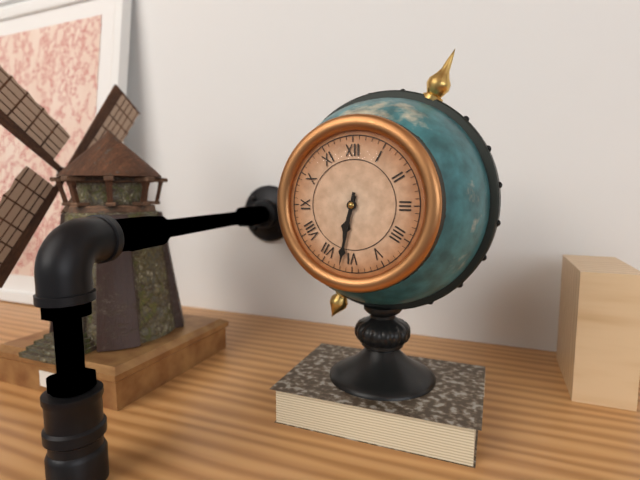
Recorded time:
6 h 32 min
